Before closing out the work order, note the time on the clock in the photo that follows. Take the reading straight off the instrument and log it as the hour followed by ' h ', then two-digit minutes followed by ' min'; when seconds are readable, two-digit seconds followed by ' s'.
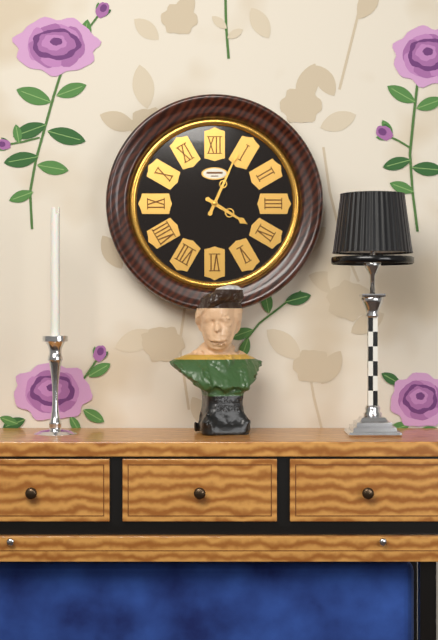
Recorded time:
4 h 04 min
